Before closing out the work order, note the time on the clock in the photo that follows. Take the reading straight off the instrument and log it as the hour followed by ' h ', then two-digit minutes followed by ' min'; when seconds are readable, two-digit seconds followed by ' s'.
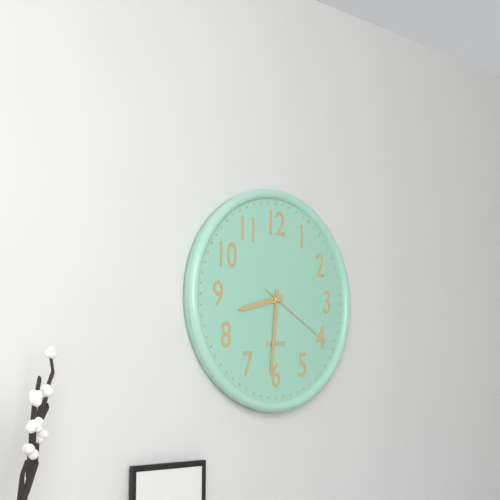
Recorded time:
8 h 31 min 20 s
